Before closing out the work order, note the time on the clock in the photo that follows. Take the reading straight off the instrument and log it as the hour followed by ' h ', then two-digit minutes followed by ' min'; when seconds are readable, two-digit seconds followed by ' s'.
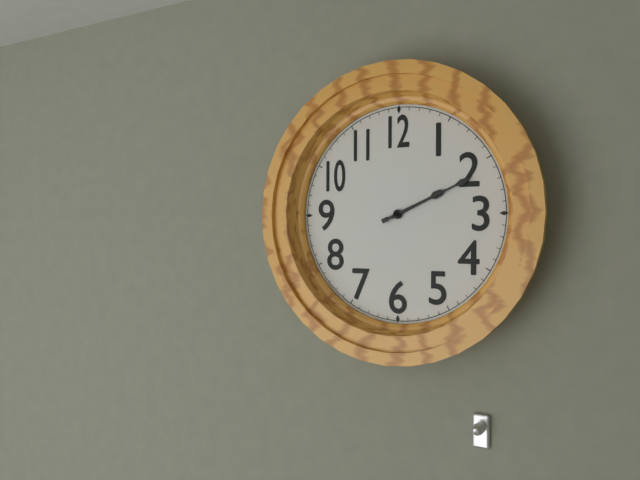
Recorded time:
2 h 11 min
